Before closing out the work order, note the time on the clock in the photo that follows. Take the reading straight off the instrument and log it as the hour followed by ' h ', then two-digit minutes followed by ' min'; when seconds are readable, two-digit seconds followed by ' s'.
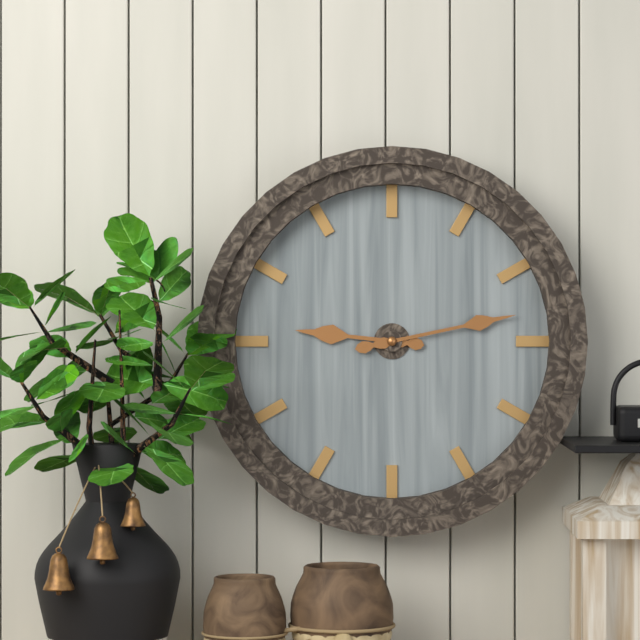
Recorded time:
9 h 13 min
